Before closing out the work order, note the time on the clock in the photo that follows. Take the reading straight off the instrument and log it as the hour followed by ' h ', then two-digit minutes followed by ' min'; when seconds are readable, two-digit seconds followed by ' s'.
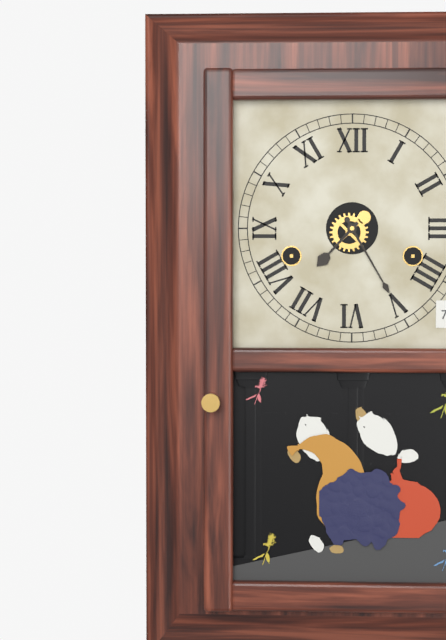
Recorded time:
7 h 25 min
